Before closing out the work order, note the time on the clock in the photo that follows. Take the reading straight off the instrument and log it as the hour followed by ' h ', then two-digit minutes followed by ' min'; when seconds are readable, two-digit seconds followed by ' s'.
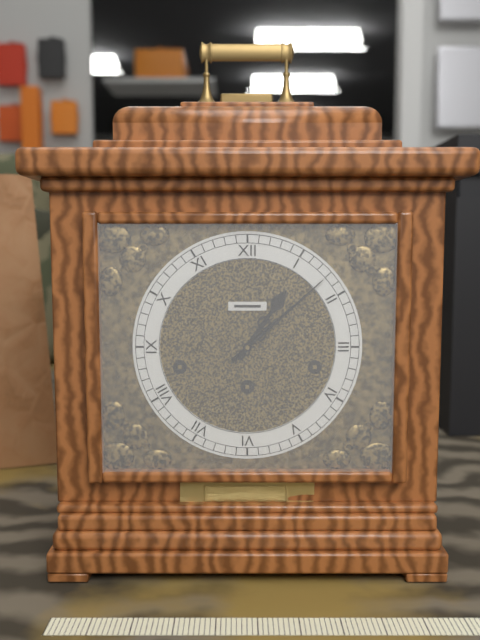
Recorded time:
1 h 08 min
